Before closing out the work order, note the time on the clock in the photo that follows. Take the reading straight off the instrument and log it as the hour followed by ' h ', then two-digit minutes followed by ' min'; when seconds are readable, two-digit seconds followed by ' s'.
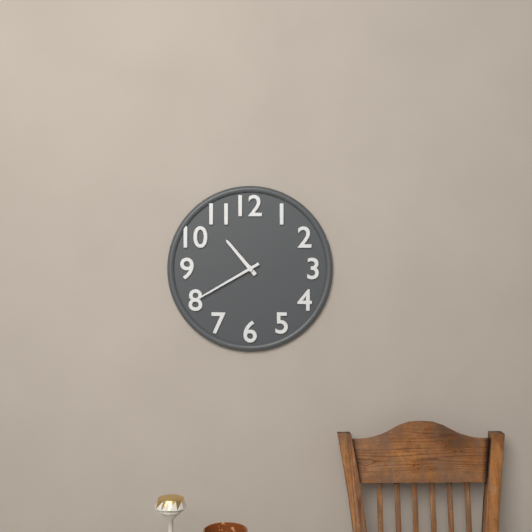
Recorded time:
10 h 40 min
